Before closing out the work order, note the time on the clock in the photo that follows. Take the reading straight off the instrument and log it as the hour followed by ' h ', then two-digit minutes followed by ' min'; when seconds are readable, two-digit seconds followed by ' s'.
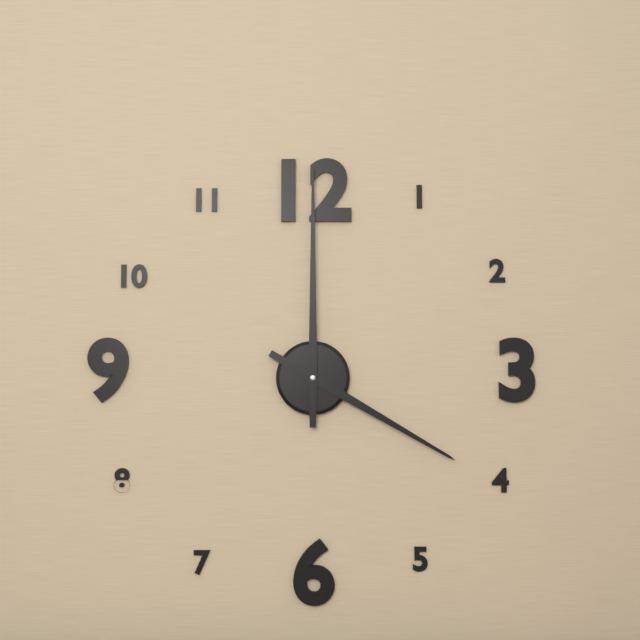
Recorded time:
4 h 00 min
